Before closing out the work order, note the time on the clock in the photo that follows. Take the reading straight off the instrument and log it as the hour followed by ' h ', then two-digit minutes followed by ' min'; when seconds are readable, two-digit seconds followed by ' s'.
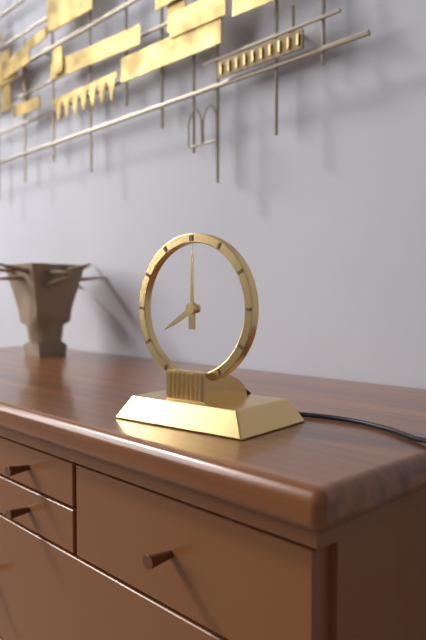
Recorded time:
8 h 00 min
